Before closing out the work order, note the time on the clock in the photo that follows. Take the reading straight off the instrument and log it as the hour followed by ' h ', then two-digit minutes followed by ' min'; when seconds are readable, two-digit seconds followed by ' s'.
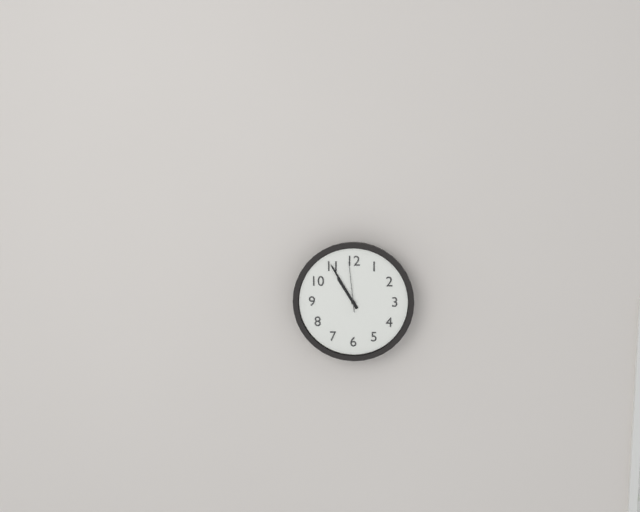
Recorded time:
10 h 55 min 59 s
